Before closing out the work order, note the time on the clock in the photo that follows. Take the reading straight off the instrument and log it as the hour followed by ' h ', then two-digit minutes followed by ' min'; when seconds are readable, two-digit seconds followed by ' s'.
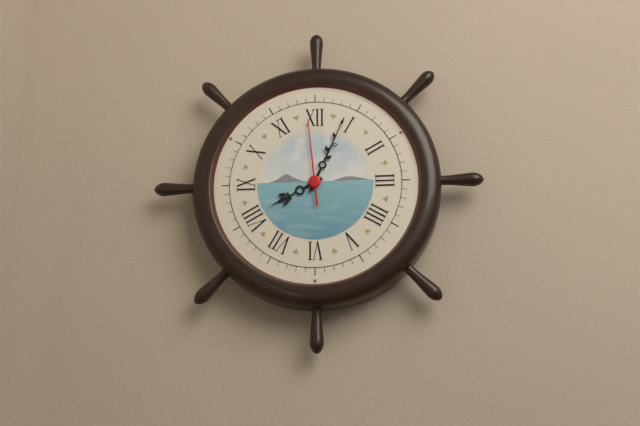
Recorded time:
8 h 04 min 59 s
